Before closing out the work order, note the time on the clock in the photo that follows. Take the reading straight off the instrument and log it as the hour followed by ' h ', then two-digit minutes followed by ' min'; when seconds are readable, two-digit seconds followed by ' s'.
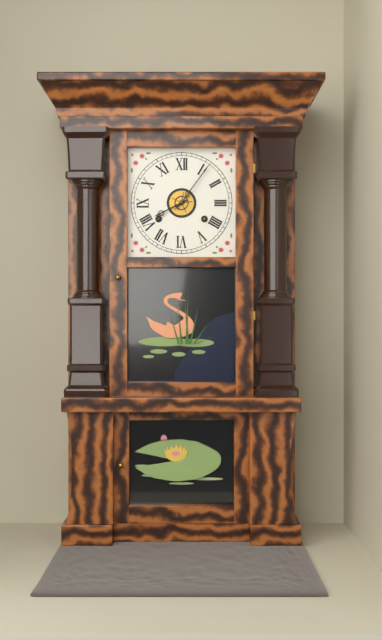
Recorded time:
8 h 06 min
